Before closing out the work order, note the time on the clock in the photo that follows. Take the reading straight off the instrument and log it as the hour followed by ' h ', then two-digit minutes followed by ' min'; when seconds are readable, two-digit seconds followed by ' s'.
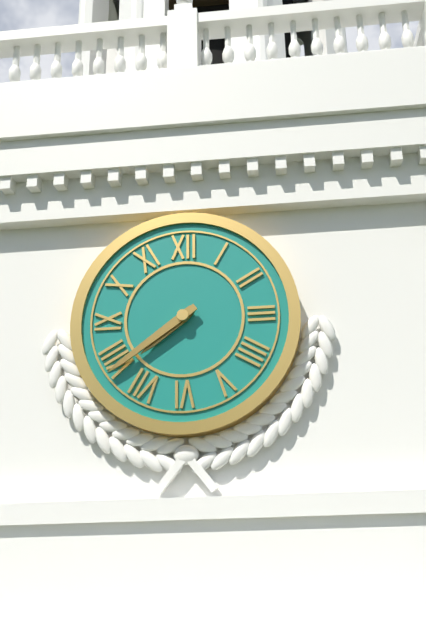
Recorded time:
7 h 39 min
